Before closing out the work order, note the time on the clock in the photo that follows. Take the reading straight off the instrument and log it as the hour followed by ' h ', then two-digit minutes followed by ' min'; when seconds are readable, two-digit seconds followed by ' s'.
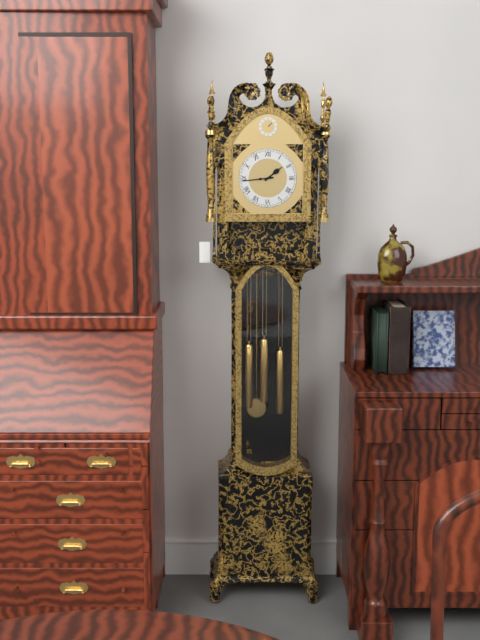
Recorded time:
1 h 44 min
